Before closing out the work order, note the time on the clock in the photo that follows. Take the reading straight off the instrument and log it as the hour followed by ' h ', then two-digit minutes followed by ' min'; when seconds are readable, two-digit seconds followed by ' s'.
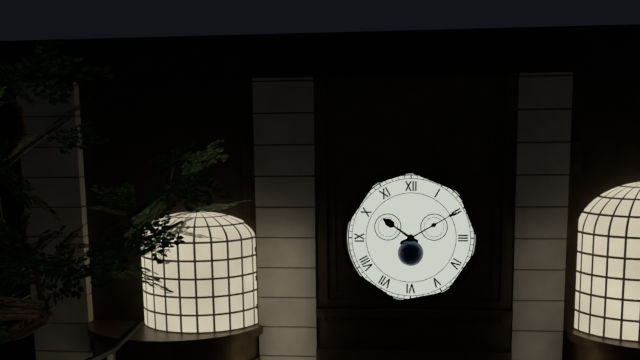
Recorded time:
10 h 10 min
